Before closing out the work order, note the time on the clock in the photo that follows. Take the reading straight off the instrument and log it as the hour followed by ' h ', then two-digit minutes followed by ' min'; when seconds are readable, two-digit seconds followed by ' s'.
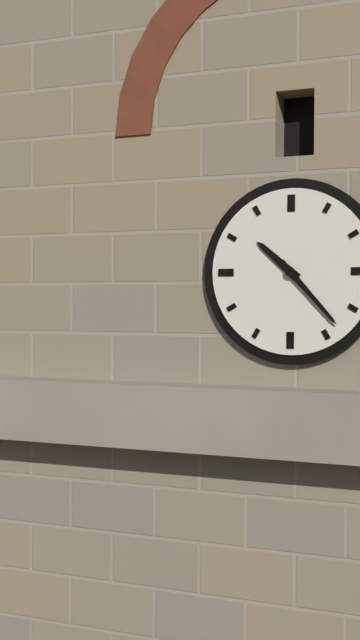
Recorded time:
10 h 23 min
